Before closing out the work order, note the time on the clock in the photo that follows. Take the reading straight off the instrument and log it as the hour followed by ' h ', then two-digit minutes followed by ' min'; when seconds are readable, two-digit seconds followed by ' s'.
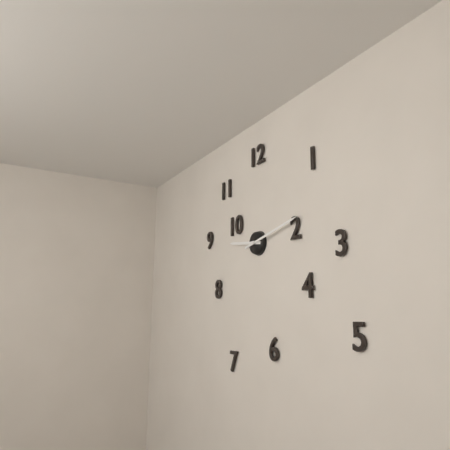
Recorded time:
9 h 13 min
